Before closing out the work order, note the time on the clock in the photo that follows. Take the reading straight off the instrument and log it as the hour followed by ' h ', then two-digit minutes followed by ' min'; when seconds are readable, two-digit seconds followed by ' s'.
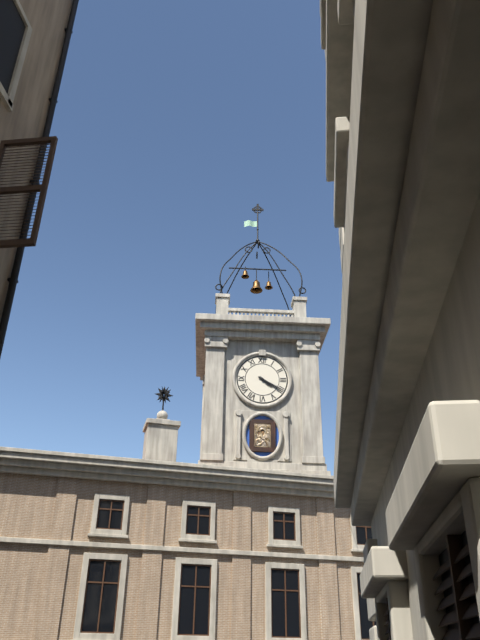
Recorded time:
4 h 20 min
